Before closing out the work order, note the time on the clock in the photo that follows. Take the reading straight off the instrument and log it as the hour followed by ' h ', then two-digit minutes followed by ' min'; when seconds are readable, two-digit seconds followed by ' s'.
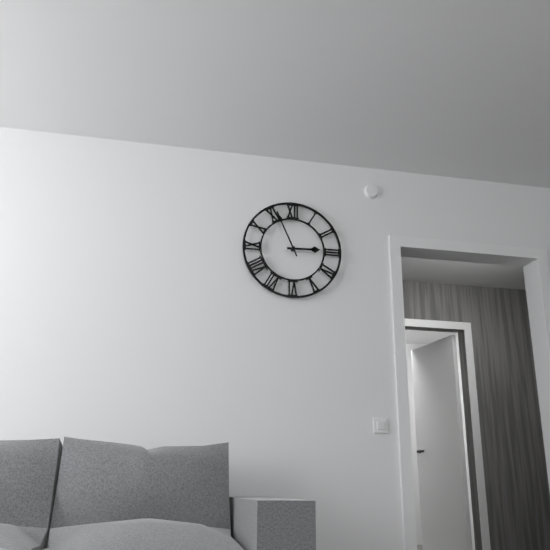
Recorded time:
2 h 56 min
